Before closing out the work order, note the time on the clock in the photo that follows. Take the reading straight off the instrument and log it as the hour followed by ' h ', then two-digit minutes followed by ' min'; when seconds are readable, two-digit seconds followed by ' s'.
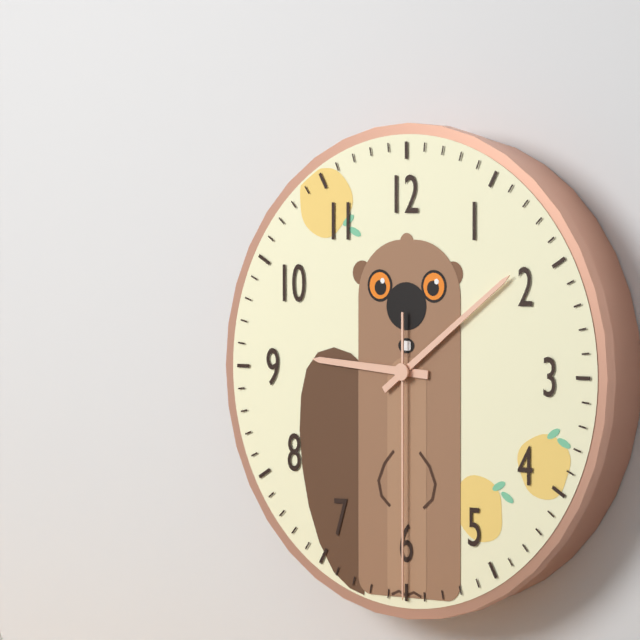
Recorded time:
9 h 09 min 30 s
